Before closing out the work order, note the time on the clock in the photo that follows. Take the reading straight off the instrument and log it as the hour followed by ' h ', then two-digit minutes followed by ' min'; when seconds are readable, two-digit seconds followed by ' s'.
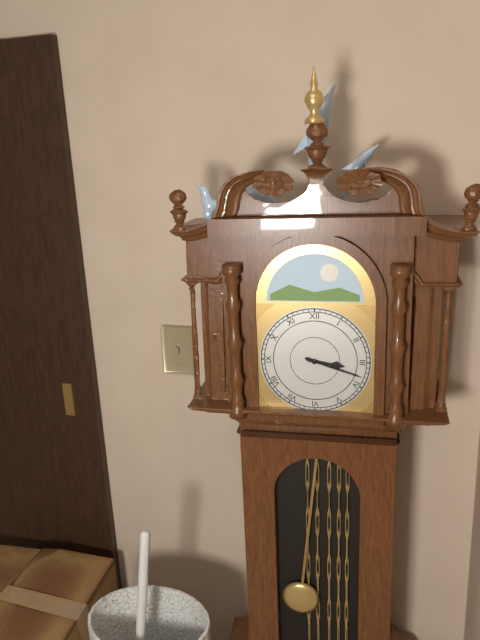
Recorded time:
3 h 18 min
